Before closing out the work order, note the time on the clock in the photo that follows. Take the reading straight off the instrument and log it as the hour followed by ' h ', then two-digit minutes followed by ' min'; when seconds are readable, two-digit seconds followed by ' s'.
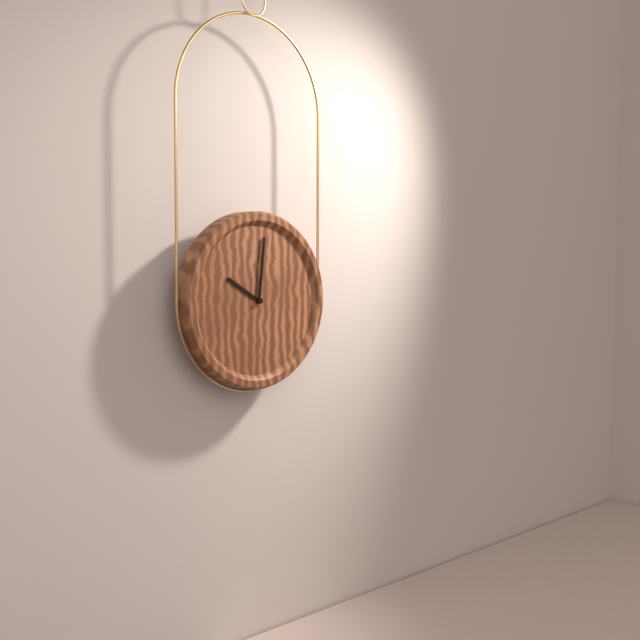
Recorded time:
10 h 01 min
